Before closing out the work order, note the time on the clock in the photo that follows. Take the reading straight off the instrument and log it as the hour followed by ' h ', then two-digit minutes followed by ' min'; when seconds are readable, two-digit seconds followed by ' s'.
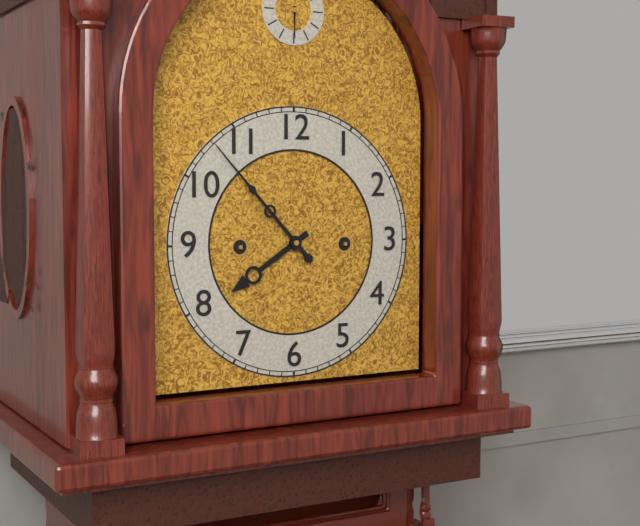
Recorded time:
7 h 53 min
